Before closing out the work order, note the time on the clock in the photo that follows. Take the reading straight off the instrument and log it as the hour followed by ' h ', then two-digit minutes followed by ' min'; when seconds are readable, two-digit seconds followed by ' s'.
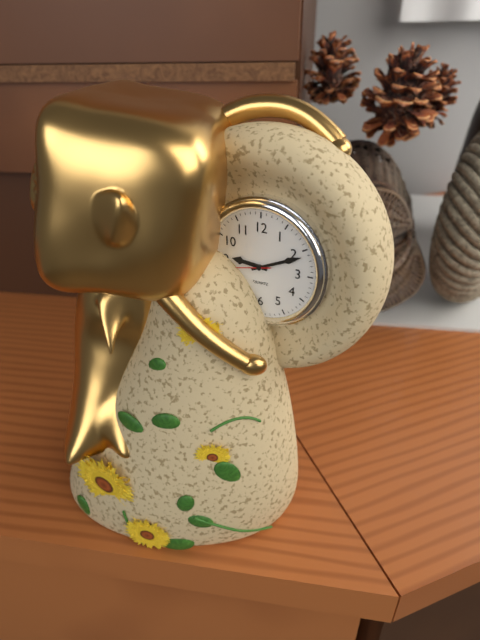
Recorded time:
9 h 11 min
